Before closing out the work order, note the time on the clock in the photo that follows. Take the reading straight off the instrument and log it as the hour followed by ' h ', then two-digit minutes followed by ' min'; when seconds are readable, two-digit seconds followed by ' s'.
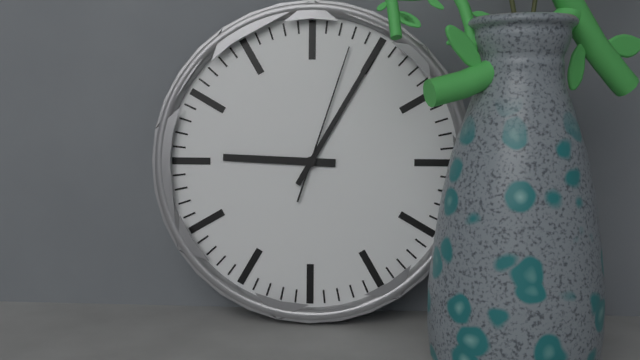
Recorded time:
9 h 05 min 03 s
